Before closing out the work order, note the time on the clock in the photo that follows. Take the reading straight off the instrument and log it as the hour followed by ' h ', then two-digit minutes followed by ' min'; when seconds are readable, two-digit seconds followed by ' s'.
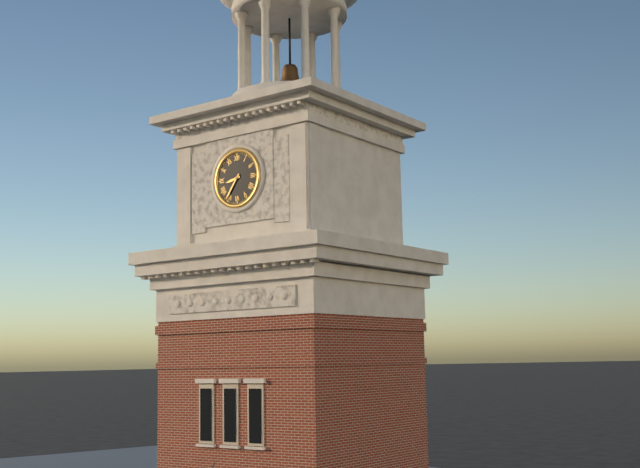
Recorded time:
8 h 36 min
